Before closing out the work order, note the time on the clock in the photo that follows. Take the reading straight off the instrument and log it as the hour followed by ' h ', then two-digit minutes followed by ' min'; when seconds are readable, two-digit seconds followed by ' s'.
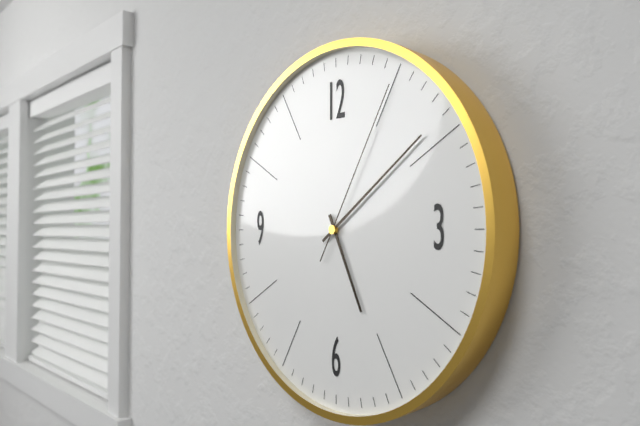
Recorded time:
5 h 09 min 05 s
